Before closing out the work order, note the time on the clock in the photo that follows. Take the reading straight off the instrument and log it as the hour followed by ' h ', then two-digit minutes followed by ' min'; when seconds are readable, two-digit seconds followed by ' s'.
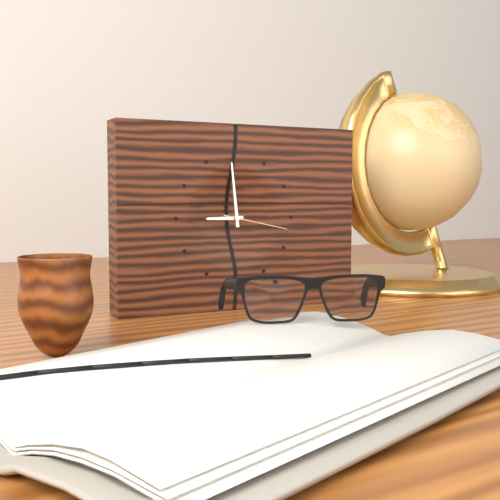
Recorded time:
8 h 59 min 17 s
